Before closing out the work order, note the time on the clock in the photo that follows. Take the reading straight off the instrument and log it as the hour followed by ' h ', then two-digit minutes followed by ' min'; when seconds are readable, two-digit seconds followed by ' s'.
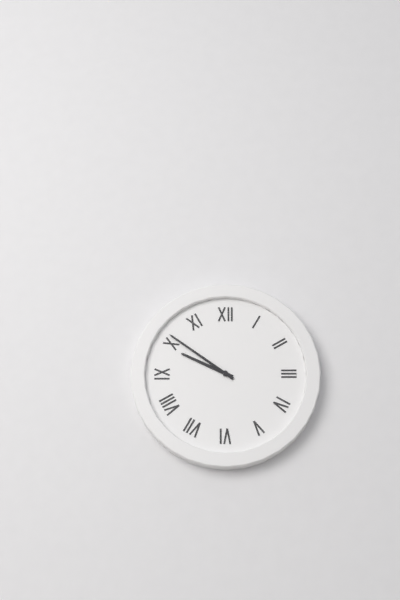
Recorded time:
9 h 51 min
